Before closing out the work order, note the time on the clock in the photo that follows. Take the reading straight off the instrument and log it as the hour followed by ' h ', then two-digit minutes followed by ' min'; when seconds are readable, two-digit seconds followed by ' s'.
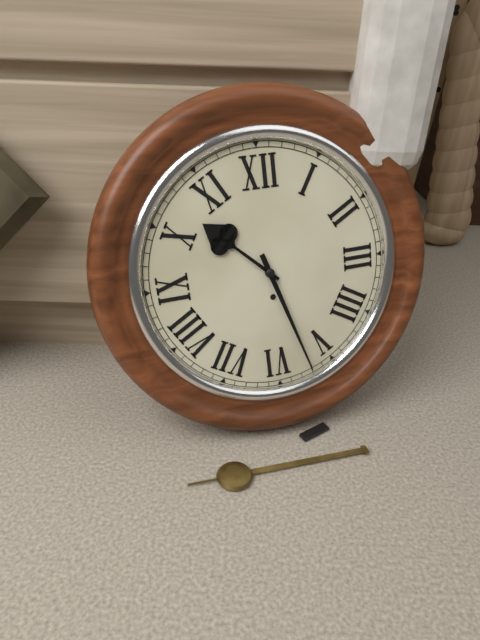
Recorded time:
10 h 27 min
